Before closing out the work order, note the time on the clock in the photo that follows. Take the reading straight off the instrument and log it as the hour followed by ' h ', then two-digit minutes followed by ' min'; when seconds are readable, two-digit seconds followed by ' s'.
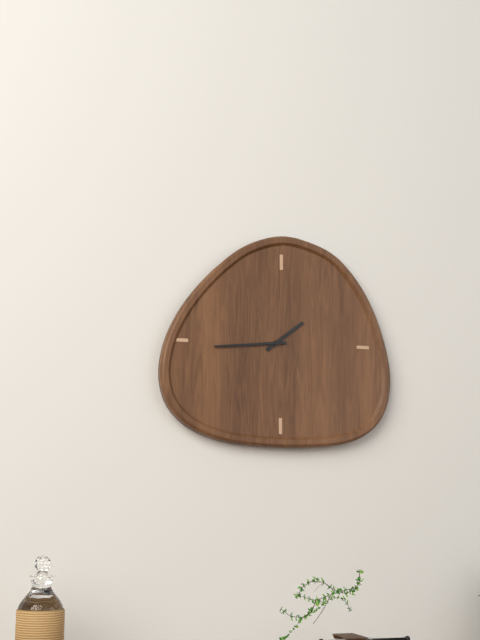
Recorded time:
1 h 44 min
